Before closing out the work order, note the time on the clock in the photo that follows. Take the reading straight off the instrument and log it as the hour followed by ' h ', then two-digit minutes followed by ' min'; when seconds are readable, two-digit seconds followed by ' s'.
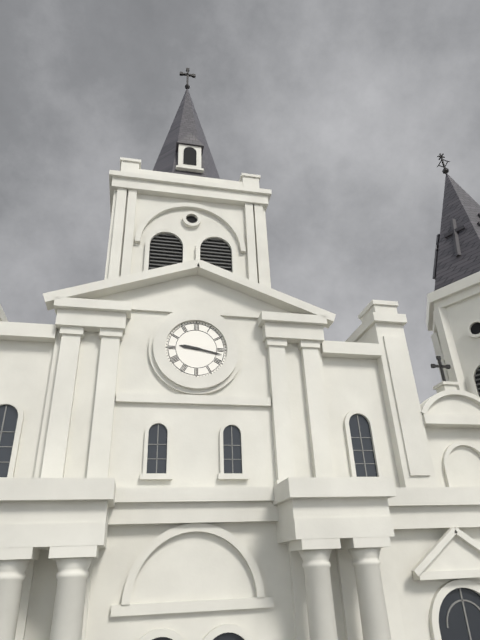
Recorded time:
9 h 17 min
